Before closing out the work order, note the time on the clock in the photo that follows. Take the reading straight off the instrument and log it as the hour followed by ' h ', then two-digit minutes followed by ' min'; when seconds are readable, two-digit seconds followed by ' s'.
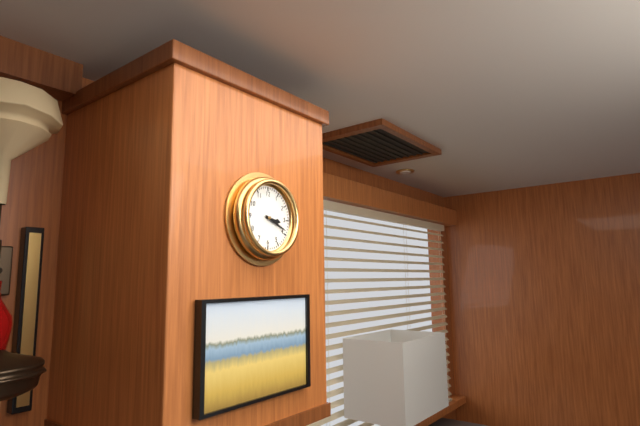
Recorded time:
3 h 19 min
